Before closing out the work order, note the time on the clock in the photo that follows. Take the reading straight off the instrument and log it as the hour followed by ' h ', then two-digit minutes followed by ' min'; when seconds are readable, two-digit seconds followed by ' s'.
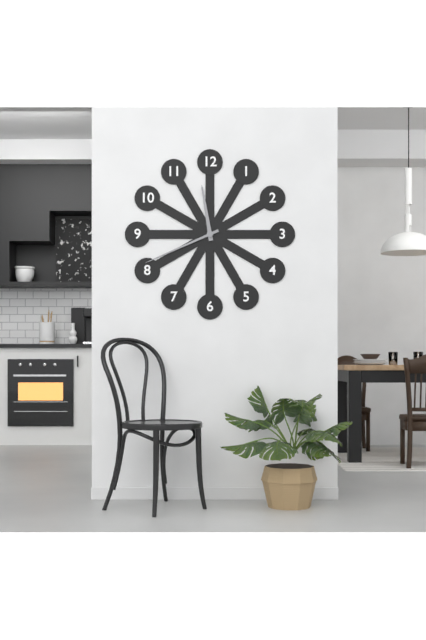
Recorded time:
11 h 41 min
